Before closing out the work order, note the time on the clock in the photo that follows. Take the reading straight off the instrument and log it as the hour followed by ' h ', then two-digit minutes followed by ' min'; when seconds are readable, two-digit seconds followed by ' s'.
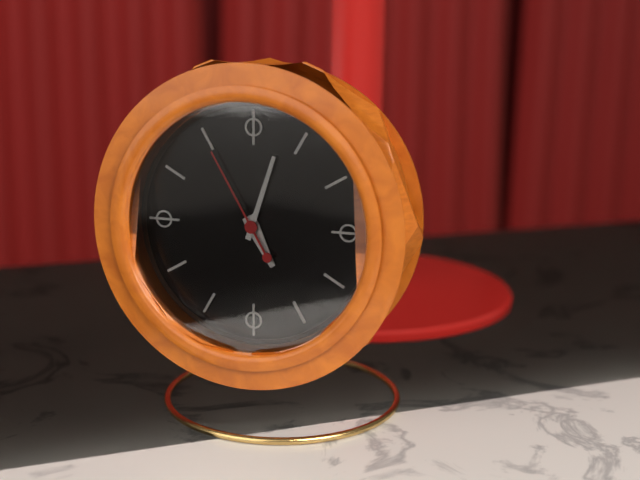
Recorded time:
5 h 03 min 55 s
